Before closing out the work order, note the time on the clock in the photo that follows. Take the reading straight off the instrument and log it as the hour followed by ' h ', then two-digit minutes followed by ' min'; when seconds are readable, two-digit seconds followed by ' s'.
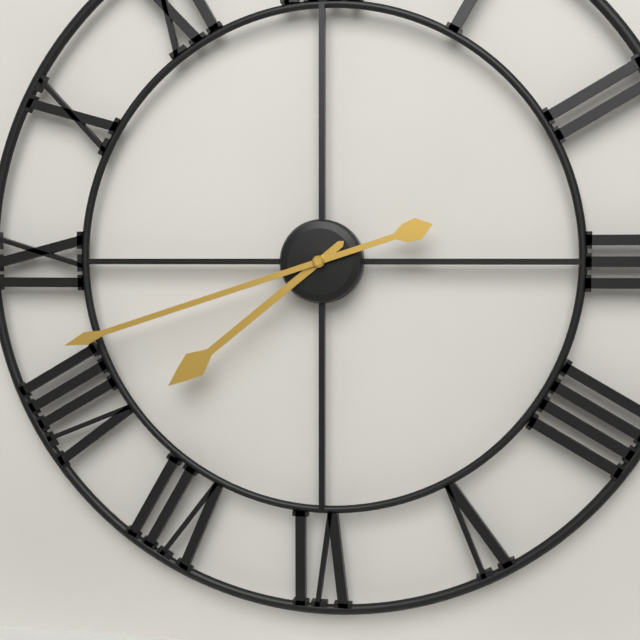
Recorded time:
7 h 42 min
